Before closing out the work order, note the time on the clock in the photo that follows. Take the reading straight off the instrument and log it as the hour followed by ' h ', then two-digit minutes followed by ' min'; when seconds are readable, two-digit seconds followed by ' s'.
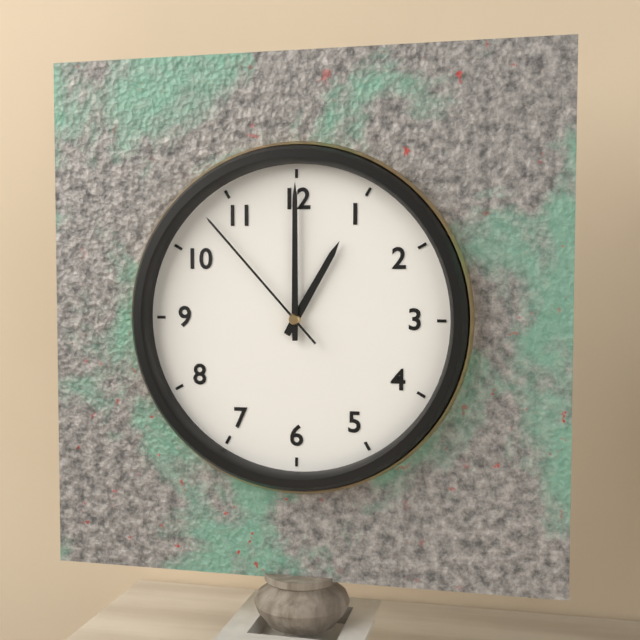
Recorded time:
1 h 00 min 53 s
